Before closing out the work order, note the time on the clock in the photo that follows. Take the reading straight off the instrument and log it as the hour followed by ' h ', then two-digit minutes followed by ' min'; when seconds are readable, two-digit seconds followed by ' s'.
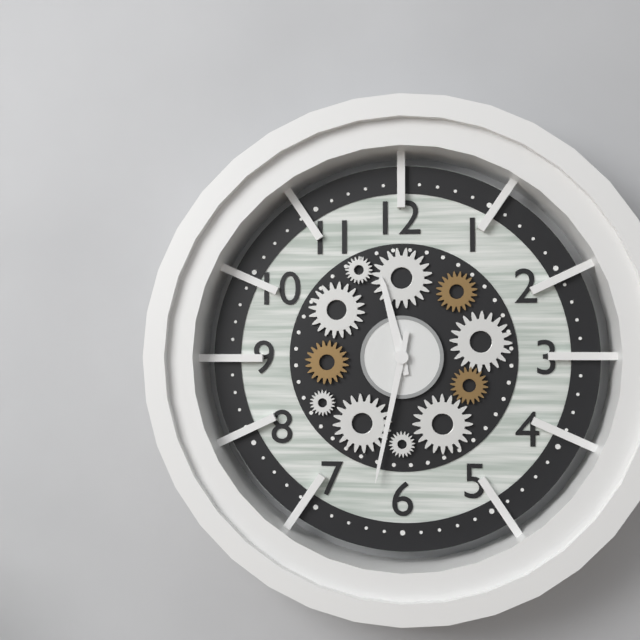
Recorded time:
11 h 32 min
